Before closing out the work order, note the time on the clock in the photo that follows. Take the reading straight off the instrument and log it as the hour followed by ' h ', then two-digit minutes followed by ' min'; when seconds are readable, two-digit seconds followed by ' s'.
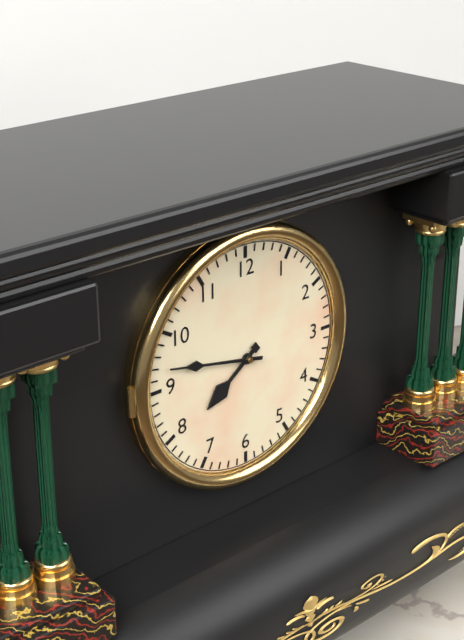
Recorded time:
7 h 47 min
